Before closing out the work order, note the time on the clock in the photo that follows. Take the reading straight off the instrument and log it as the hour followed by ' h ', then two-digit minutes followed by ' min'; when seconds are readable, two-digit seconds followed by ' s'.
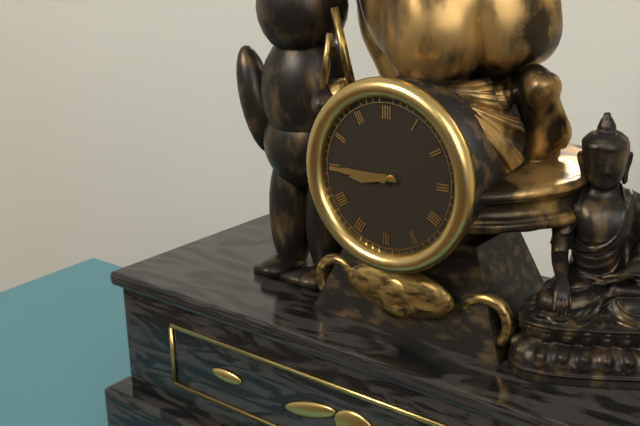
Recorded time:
8 h 45 min
